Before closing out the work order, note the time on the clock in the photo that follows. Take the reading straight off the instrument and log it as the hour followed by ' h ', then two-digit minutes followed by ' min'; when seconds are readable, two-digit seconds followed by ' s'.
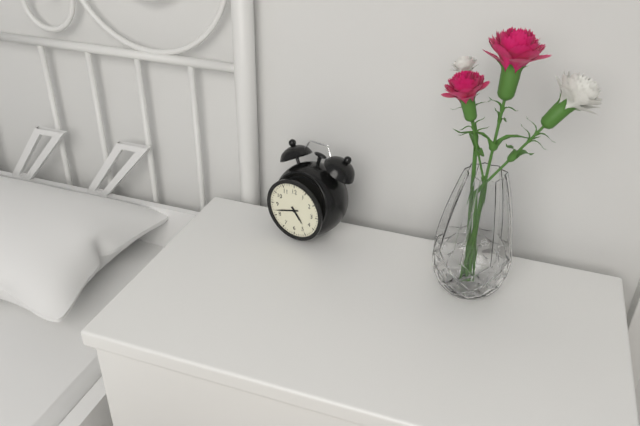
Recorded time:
4 h 42 min
